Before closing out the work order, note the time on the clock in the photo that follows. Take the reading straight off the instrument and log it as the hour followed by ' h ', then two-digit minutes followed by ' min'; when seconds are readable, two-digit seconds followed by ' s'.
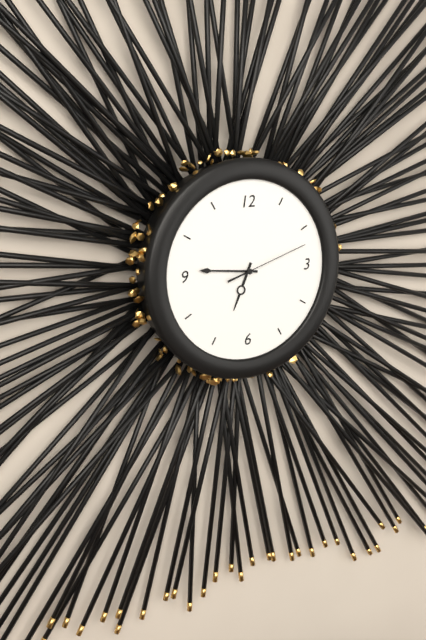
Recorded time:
6 h 46 min 12 s
